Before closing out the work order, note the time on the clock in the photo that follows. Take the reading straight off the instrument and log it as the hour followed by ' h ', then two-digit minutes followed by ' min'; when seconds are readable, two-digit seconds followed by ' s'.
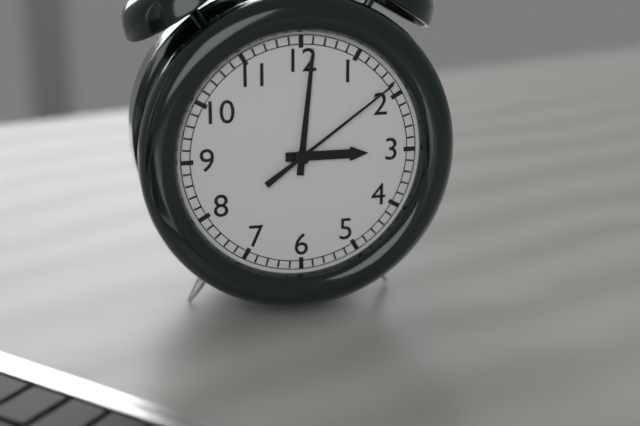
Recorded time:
3 h 01 min 09 s
